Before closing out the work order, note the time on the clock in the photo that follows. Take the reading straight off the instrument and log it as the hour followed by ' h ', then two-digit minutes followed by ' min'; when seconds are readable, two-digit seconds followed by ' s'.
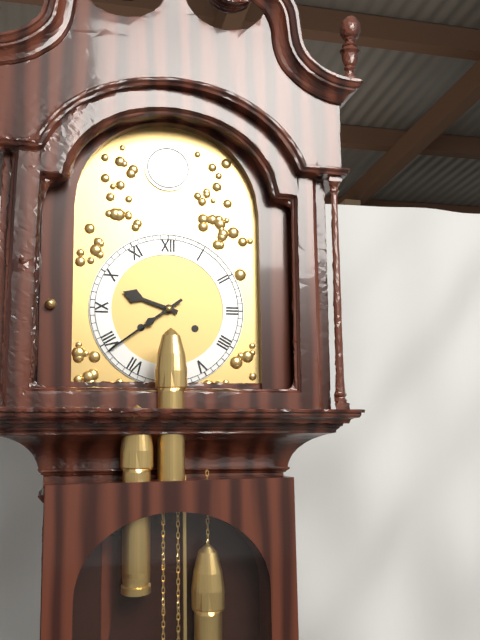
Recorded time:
9 h 39 min
